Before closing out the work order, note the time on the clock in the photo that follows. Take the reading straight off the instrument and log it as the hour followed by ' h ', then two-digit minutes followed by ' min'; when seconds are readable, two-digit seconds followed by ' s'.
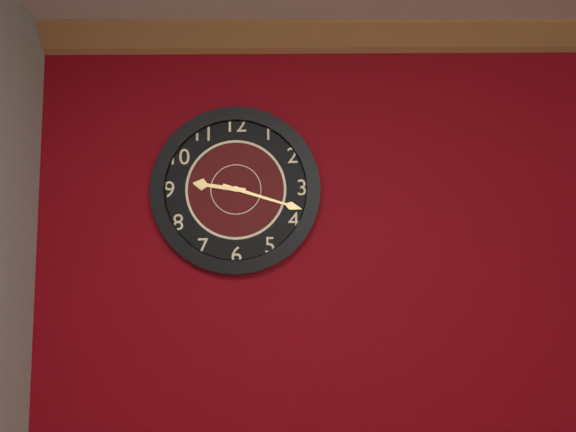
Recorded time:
9 h 18 min
